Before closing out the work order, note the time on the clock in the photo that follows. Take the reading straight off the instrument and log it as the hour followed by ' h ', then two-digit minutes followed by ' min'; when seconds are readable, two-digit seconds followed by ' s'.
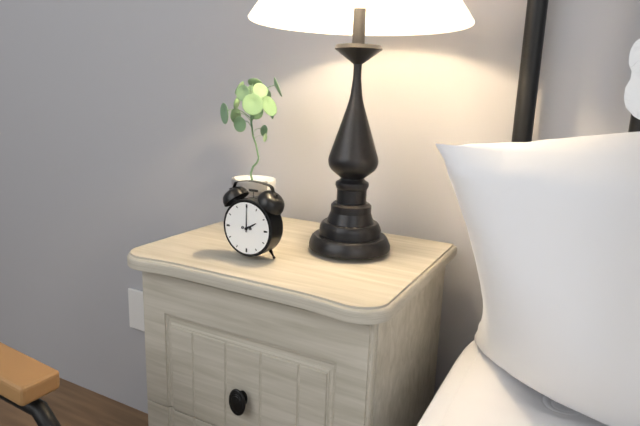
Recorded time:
2 h 00 min
